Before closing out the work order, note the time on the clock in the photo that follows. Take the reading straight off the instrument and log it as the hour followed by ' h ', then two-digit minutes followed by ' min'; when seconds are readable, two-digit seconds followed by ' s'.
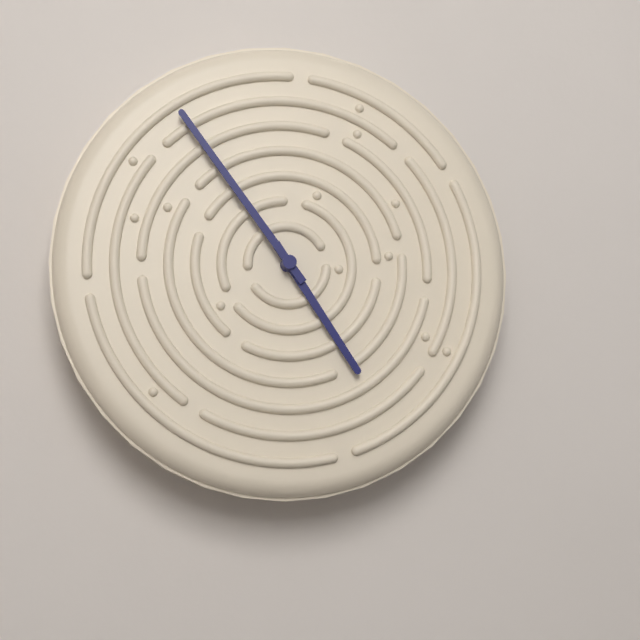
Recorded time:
4 h 54 min
